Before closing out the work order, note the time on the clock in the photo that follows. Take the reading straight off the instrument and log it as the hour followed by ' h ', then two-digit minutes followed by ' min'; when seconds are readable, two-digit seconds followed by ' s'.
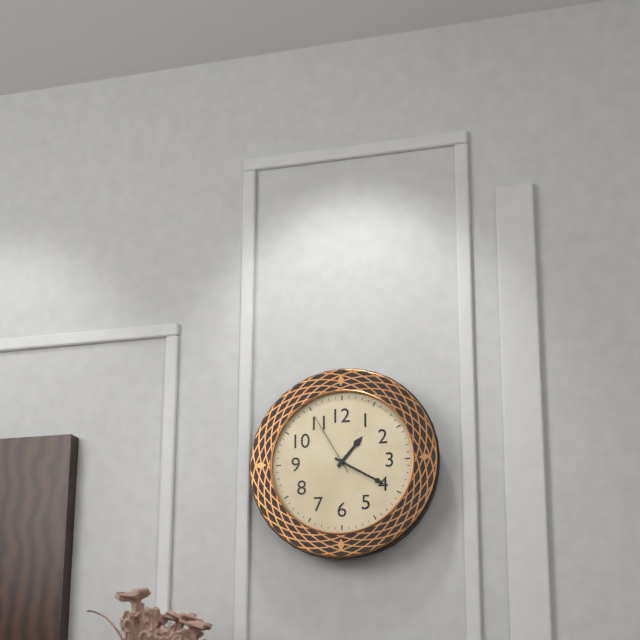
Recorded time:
1 h 20 min 55 s
